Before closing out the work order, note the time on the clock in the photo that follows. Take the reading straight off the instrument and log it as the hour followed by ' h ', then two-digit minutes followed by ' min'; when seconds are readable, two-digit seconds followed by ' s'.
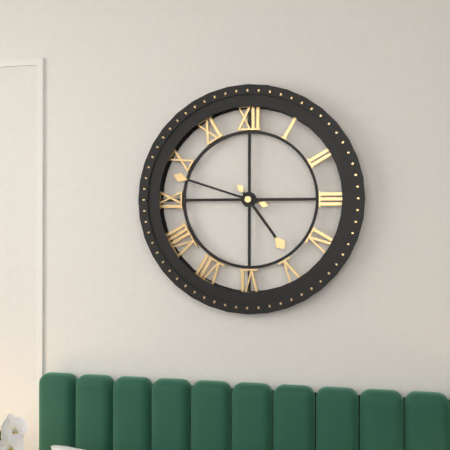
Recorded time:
4 h 48 min
